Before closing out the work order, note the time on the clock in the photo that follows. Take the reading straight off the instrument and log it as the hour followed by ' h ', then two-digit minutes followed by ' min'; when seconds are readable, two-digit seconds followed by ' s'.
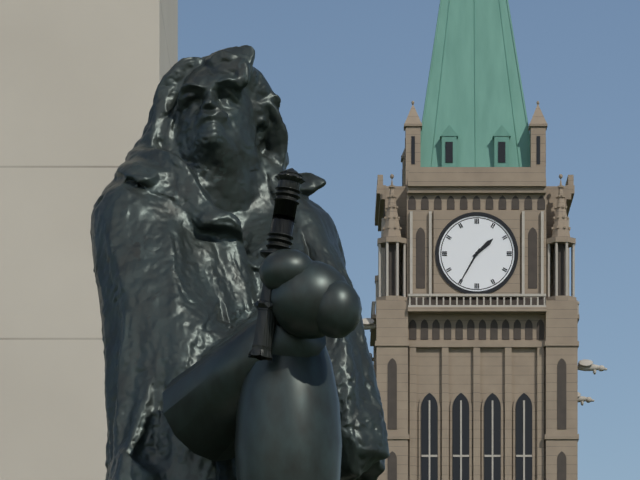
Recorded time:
1 h 35 min
